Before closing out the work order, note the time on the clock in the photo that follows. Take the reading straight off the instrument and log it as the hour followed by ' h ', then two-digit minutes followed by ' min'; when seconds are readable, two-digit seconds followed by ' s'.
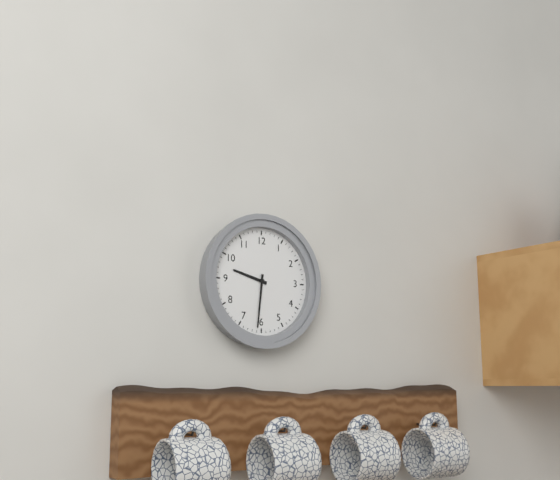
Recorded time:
9 h 31 min
